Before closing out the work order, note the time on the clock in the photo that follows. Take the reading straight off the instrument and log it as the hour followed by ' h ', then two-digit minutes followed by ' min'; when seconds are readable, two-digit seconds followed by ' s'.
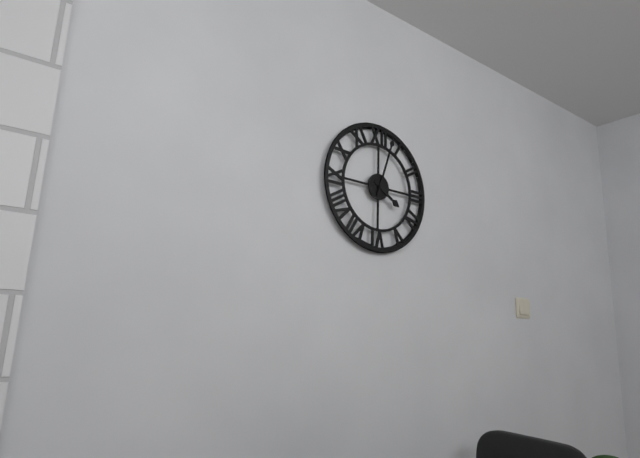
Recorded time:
4 h 03 min
